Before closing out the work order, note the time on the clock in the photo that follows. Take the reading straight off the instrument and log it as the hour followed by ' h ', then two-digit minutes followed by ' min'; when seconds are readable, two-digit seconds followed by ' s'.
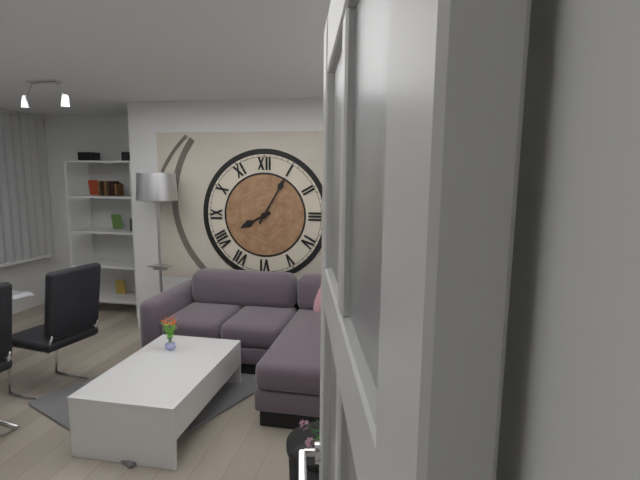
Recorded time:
8 h 05 min
